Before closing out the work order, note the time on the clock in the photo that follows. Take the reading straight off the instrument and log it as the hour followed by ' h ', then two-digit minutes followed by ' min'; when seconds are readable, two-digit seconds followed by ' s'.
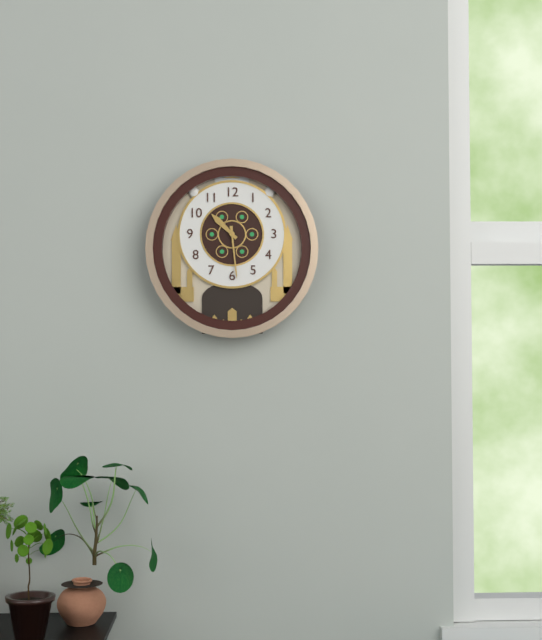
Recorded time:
10 h 29 min
